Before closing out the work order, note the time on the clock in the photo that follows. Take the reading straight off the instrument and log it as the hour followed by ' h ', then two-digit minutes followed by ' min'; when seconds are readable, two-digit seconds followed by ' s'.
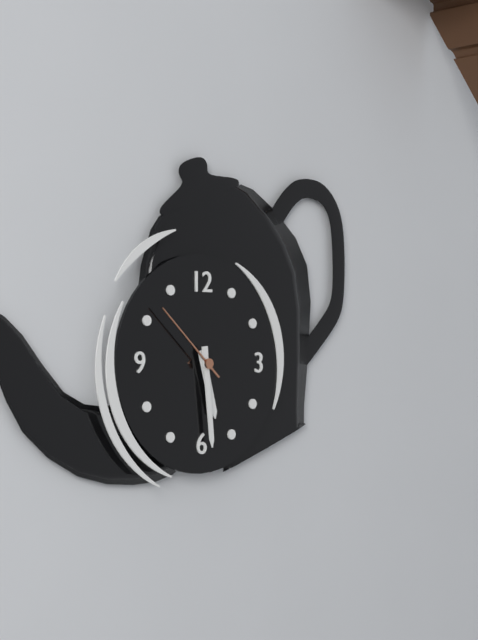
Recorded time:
5 h 29 min 52 s
